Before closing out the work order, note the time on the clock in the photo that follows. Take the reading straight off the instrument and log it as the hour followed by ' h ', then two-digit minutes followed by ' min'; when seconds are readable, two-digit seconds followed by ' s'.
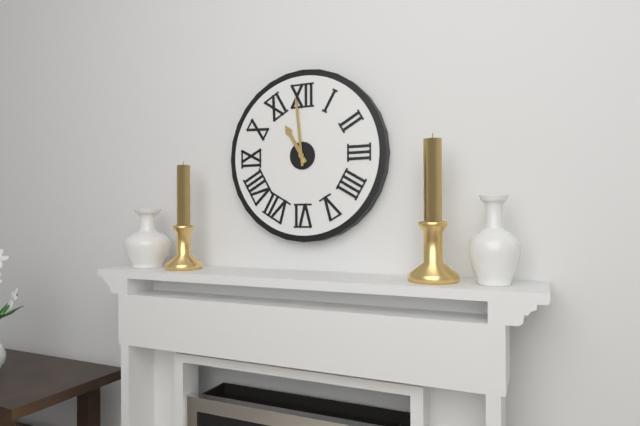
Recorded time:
10 h 59 min
